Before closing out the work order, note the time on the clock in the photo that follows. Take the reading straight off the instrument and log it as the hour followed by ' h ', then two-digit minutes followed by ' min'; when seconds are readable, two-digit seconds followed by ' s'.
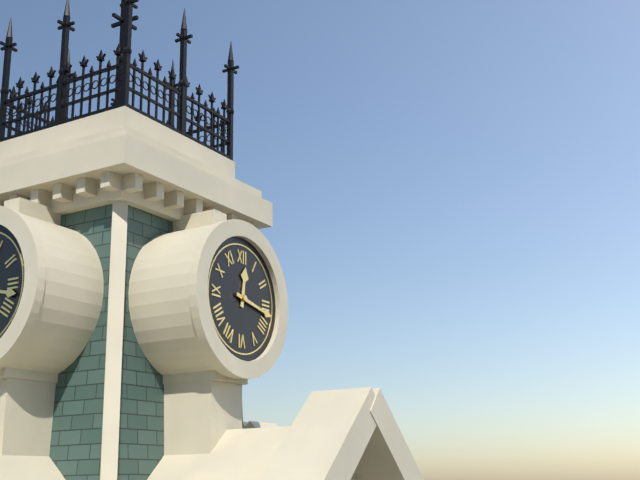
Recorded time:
12 h 17 min
